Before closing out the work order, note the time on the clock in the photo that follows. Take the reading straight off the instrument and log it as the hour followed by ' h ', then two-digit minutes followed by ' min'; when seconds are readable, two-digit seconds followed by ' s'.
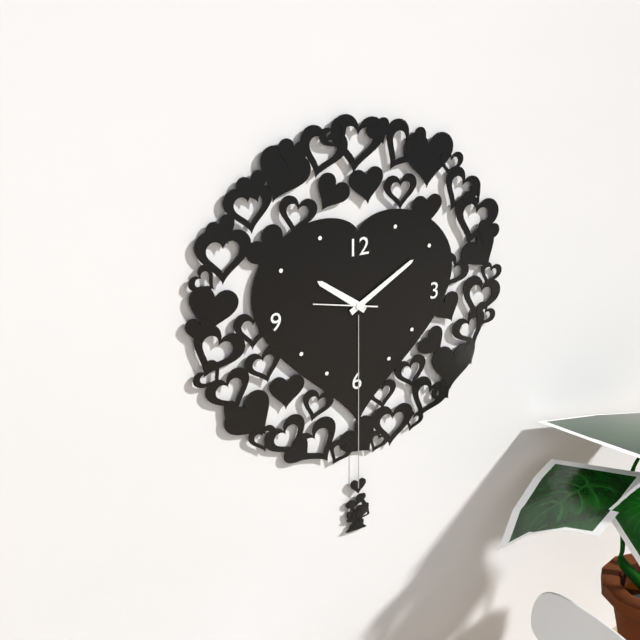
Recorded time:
10 h 10 min 47 s
